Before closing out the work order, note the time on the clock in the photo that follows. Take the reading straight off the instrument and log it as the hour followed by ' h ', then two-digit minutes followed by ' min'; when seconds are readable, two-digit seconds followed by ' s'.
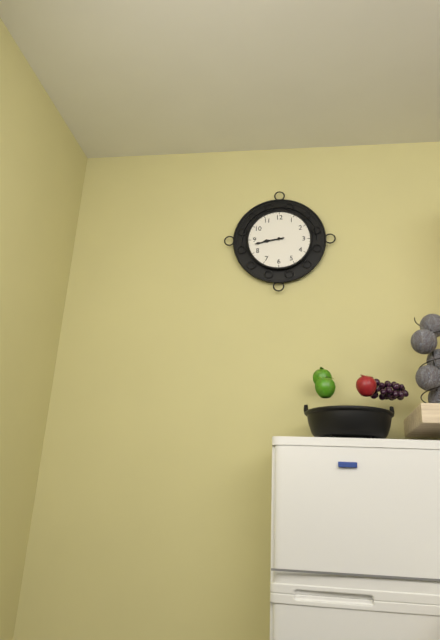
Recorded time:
8 h 43 min
